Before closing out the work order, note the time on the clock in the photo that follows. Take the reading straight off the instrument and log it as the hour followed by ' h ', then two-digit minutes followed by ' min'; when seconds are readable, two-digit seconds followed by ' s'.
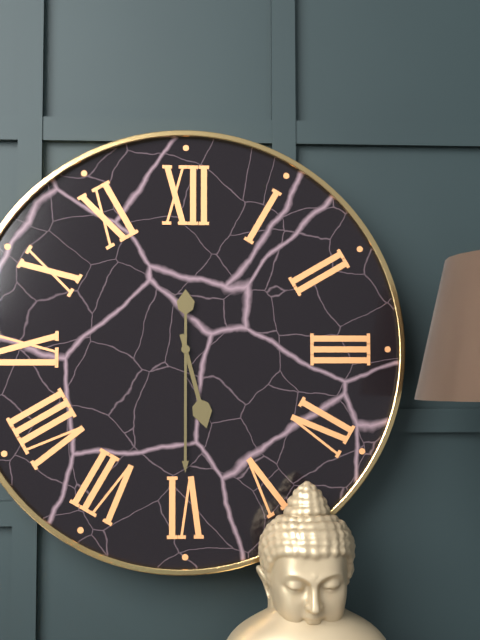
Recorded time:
5 h 30 min
